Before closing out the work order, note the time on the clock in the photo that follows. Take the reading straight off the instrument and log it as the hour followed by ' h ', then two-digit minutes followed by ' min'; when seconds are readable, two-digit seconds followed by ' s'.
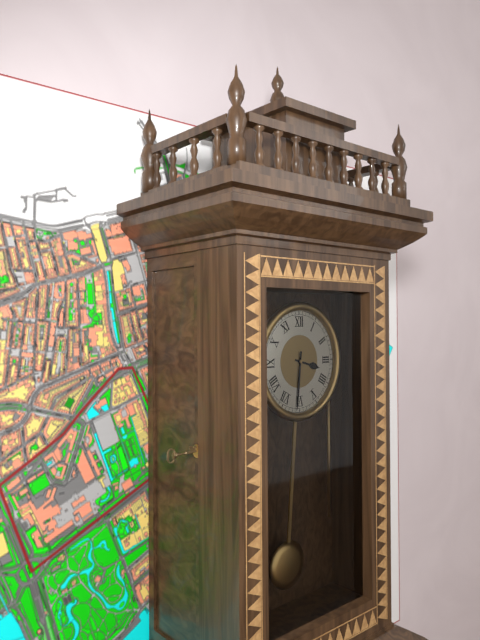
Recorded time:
3 h 31 min
